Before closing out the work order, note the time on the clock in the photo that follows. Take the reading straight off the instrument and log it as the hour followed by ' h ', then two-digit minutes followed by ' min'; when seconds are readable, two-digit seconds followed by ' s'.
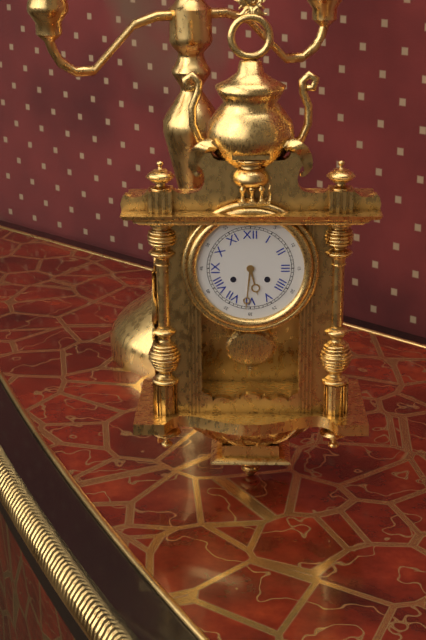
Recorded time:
5 h 31 min
